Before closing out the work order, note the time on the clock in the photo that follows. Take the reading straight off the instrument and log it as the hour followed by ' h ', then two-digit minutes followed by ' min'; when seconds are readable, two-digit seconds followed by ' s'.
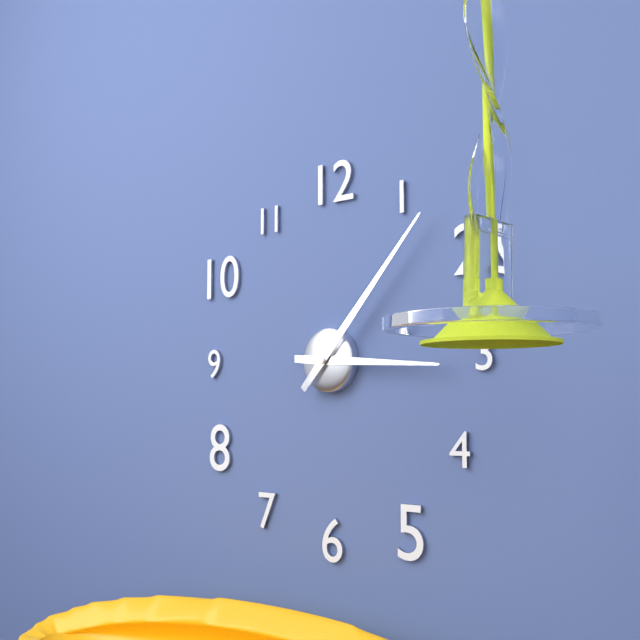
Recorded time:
3 h 07 min
